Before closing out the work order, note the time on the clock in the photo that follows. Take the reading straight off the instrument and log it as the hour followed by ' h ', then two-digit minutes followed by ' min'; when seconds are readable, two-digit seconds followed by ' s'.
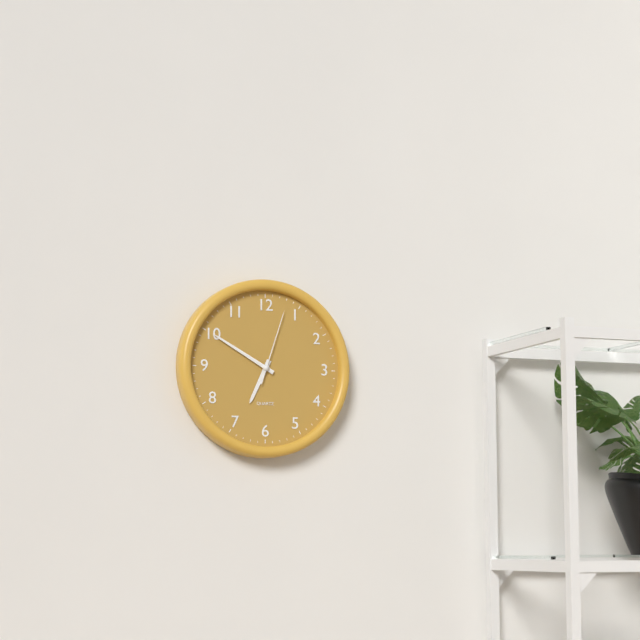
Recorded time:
6 h 50 min 03 s
